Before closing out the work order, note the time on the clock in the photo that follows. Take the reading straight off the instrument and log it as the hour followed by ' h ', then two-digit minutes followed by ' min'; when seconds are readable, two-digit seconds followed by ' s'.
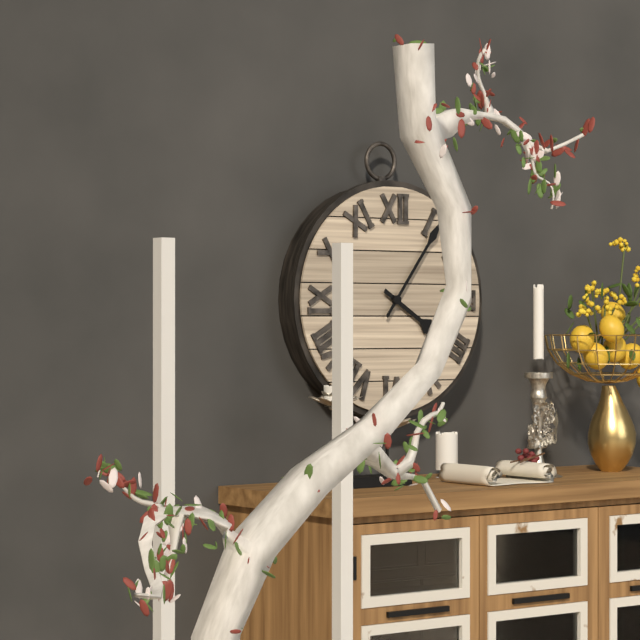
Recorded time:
4 h 06 min
